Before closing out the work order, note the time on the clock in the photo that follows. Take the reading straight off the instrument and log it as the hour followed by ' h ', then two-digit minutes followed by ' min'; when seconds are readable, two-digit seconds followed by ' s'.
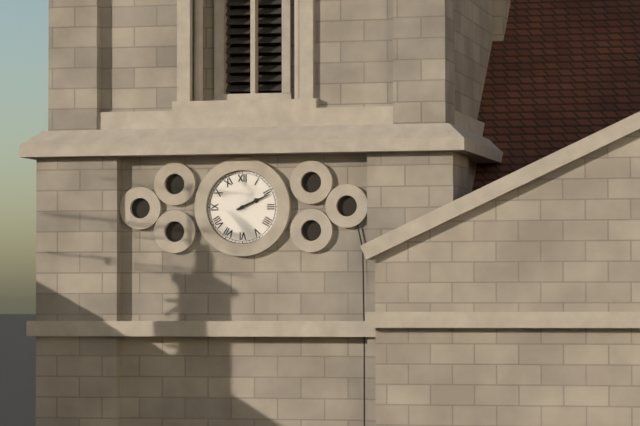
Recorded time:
2 h 11 min
